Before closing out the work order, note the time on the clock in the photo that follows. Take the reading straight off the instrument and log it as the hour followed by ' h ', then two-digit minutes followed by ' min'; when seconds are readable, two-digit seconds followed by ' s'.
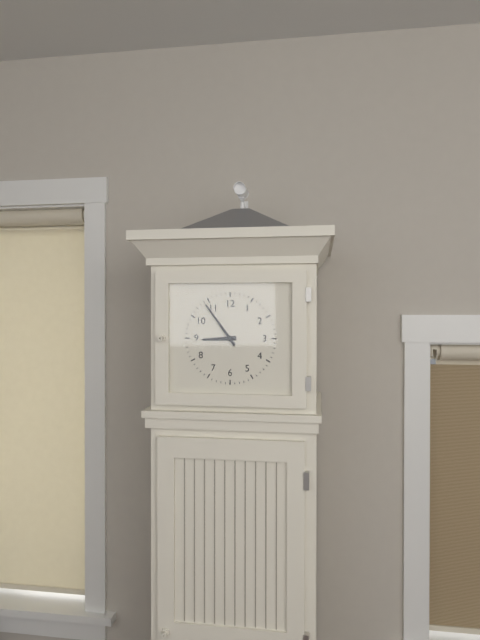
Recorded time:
8 h 54 min
